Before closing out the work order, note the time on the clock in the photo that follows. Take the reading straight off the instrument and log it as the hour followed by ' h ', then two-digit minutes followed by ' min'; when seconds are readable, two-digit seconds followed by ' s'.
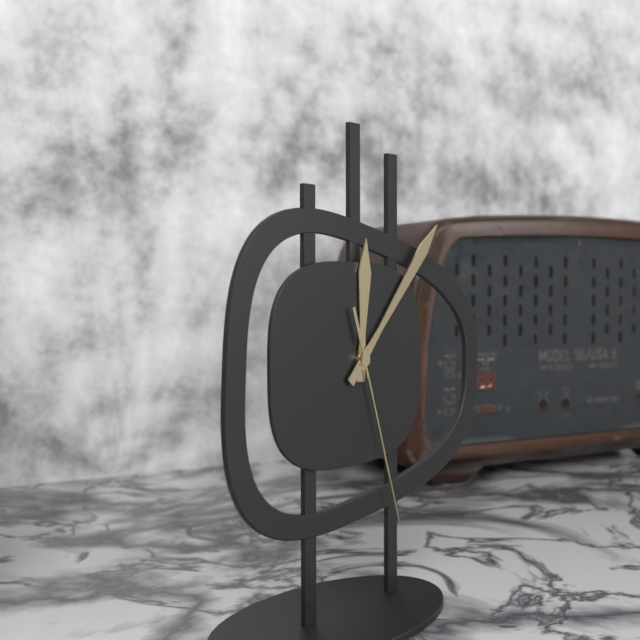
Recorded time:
12 h 07 min 27 s
